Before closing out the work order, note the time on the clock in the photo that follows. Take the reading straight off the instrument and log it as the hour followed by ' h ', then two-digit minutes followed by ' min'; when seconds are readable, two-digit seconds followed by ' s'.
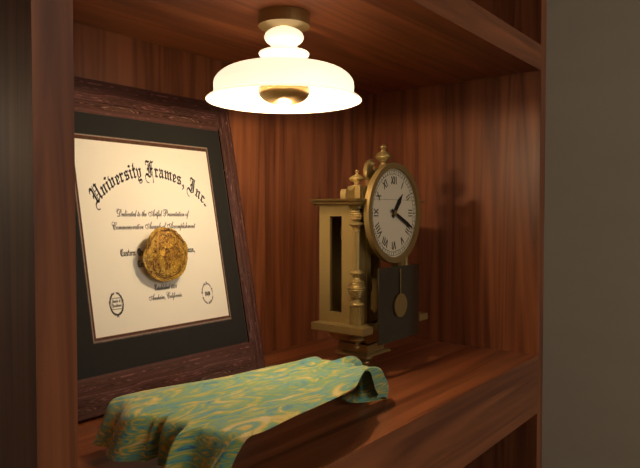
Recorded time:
1 h 19 min
